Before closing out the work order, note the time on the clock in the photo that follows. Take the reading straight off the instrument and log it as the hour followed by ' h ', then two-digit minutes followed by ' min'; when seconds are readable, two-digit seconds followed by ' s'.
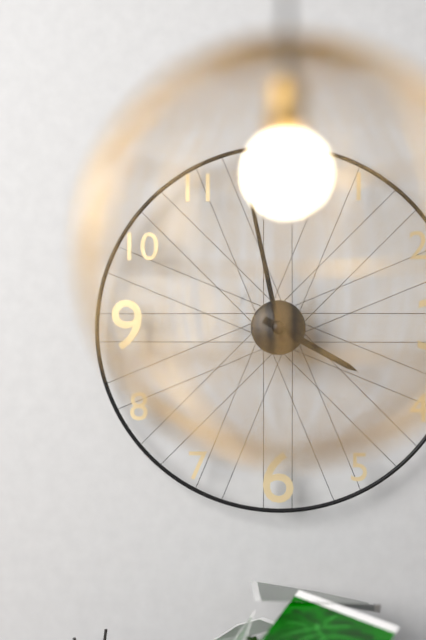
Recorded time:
3 h 58 min
